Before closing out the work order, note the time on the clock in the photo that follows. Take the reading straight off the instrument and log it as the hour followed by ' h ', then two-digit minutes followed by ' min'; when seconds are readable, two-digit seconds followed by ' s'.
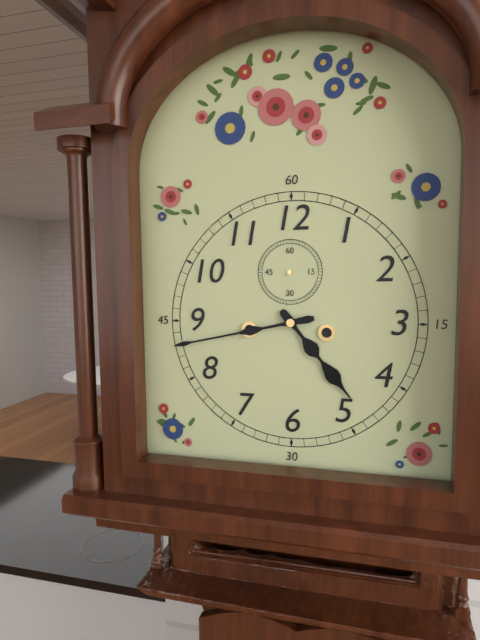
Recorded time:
4 h 43 min
